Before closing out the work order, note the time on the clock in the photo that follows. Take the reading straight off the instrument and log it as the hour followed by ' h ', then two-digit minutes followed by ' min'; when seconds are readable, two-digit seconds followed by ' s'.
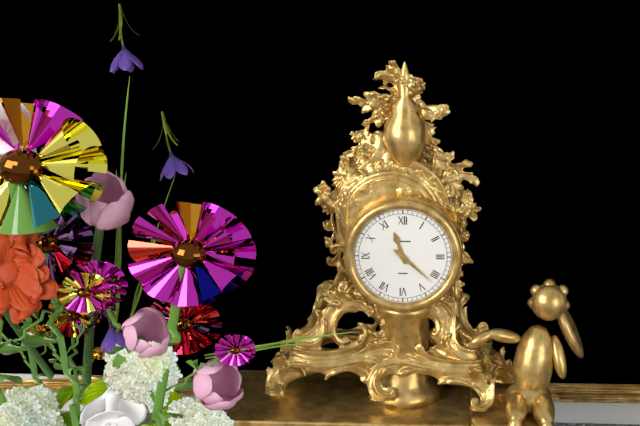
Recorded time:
11 h 22 min
